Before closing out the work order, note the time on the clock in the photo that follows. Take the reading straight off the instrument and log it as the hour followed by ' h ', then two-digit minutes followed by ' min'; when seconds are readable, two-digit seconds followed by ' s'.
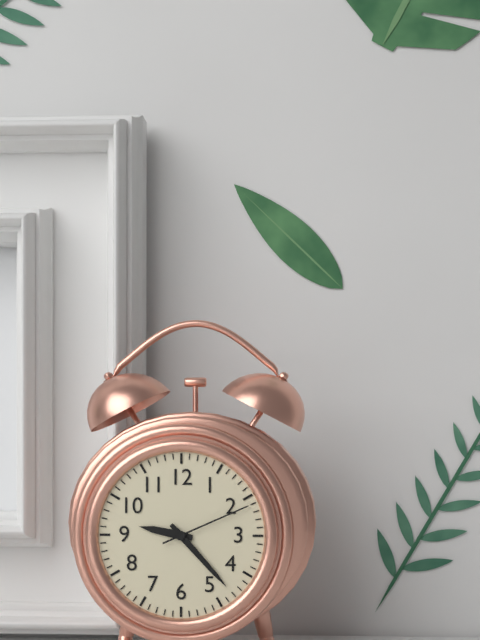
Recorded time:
9 h 23 min 11 s
